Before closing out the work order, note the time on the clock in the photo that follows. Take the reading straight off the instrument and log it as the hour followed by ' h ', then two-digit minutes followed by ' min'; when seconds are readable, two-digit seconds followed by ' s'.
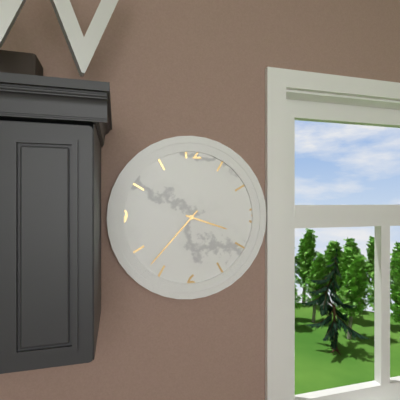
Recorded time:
3 h 37 min
